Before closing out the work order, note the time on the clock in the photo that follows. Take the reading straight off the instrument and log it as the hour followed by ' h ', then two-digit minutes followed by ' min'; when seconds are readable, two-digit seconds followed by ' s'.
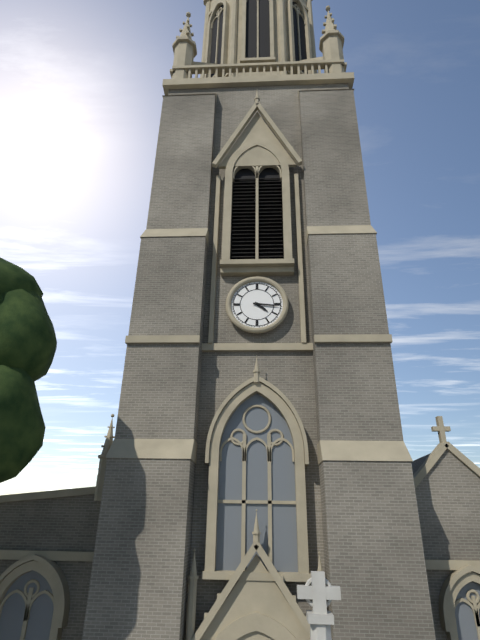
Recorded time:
4 h 16 min
